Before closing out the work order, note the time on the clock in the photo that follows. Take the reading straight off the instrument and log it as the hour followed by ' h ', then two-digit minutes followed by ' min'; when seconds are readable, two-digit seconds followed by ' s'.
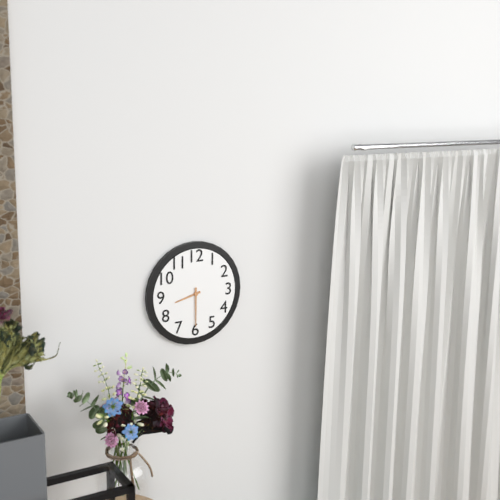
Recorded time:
8 h 30 min
